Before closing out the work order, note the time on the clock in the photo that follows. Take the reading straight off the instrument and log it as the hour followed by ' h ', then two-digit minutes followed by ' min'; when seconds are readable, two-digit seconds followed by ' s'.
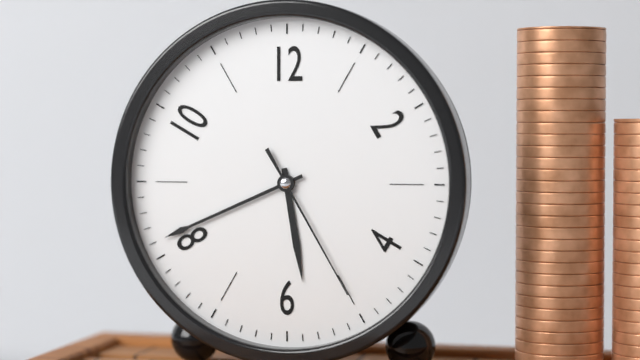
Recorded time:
5 h 41 min 25 s
